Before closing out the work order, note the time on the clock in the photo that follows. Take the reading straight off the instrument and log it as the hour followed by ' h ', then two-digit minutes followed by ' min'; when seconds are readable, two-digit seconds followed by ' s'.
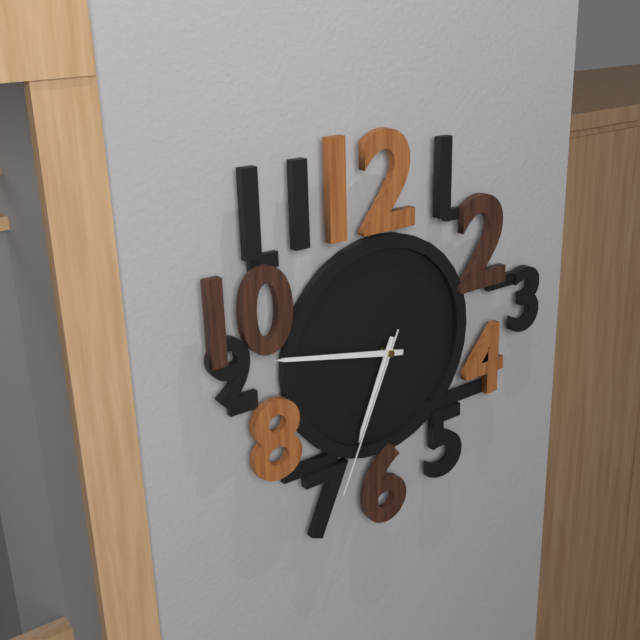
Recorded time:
6 h 47 min 34 s
